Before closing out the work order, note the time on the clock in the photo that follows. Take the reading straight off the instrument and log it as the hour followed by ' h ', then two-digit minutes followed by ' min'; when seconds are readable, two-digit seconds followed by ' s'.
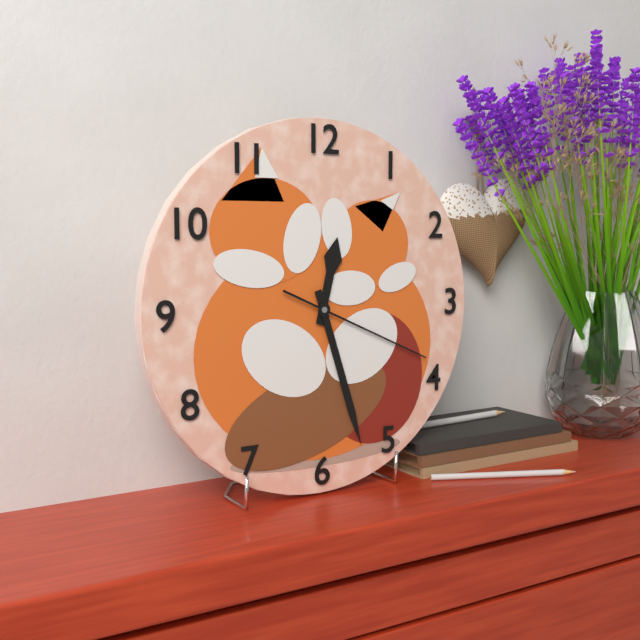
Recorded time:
12 h 27 min 19 s
